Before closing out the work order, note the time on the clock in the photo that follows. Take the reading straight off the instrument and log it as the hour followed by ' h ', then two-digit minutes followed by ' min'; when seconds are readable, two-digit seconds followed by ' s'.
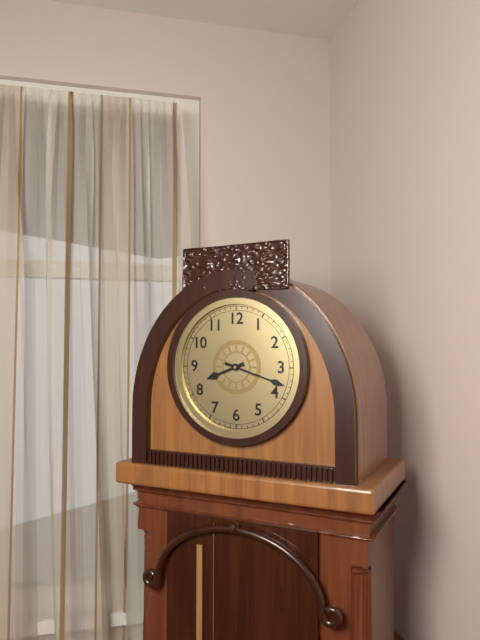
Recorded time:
8 h 18 min
